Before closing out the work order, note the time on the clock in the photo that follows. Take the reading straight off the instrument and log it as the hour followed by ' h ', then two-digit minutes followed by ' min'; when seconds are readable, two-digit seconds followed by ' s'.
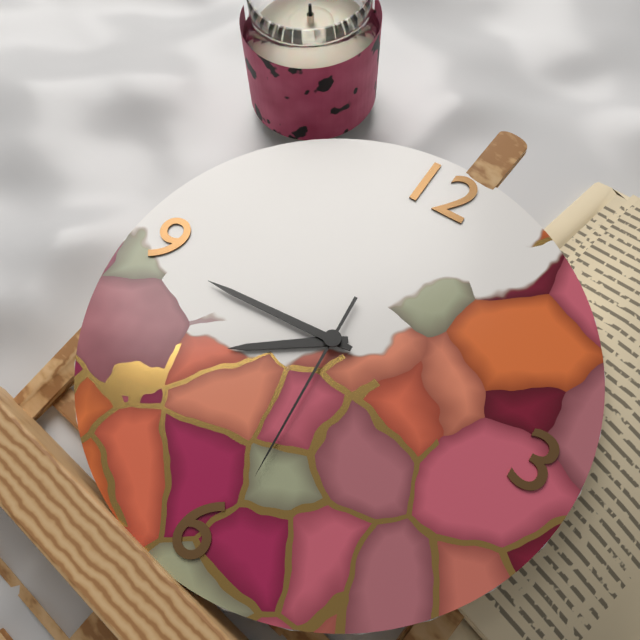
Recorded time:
7 h 44 min 29 s
